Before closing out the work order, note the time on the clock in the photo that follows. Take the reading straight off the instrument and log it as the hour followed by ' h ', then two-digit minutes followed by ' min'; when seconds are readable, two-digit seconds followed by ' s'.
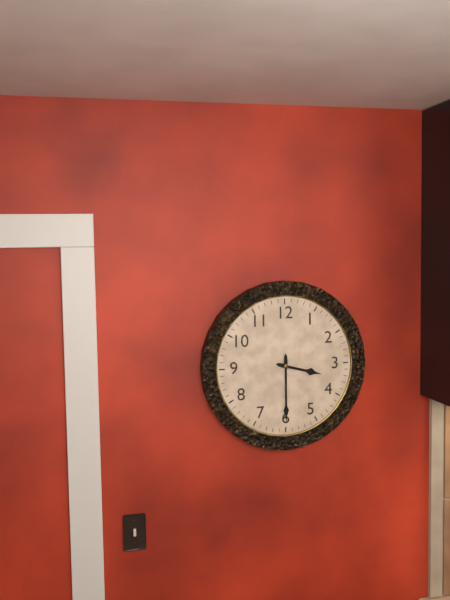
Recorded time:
3 h 30 min
